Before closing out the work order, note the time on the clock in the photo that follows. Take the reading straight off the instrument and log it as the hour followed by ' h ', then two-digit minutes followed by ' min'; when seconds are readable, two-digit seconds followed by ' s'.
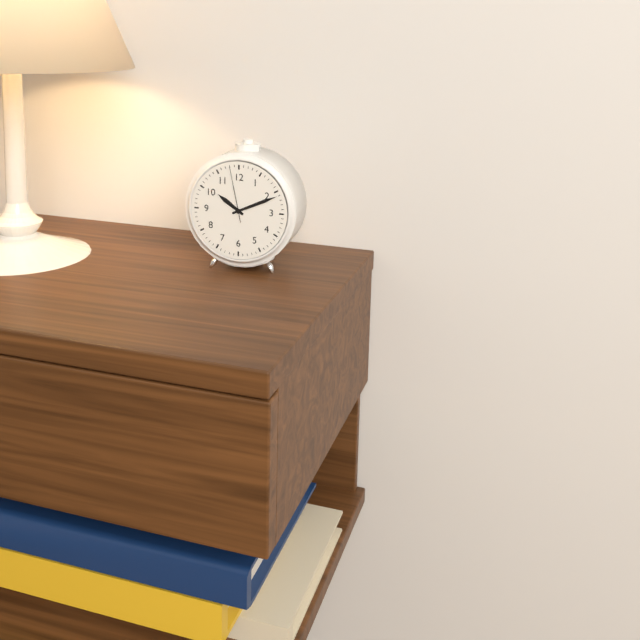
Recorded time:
10 h 11 min 58 s
